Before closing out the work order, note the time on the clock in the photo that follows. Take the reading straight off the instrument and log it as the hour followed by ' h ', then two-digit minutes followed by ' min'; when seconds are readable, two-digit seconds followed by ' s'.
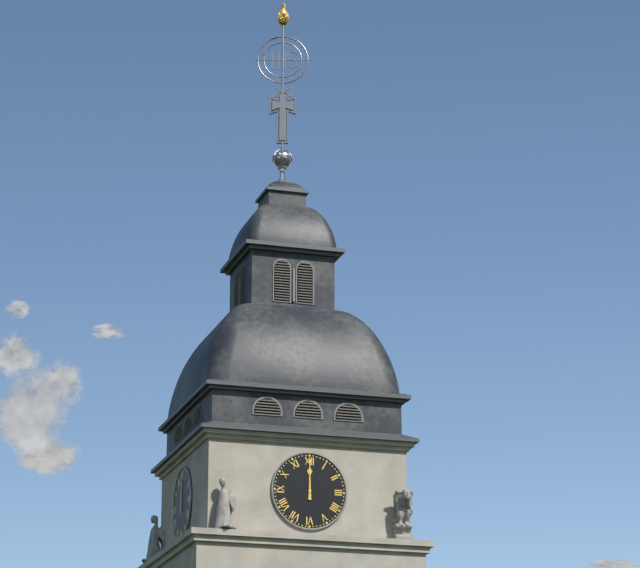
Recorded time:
12 h 00 min
